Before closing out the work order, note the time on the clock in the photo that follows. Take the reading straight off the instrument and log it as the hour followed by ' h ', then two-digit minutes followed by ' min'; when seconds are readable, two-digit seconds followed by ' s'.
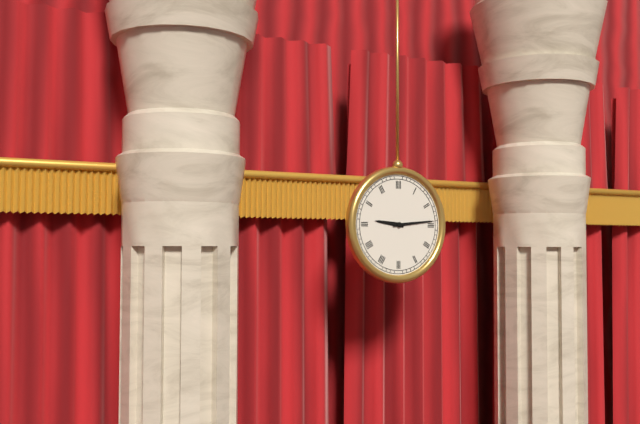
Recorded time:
9 h 14 min
